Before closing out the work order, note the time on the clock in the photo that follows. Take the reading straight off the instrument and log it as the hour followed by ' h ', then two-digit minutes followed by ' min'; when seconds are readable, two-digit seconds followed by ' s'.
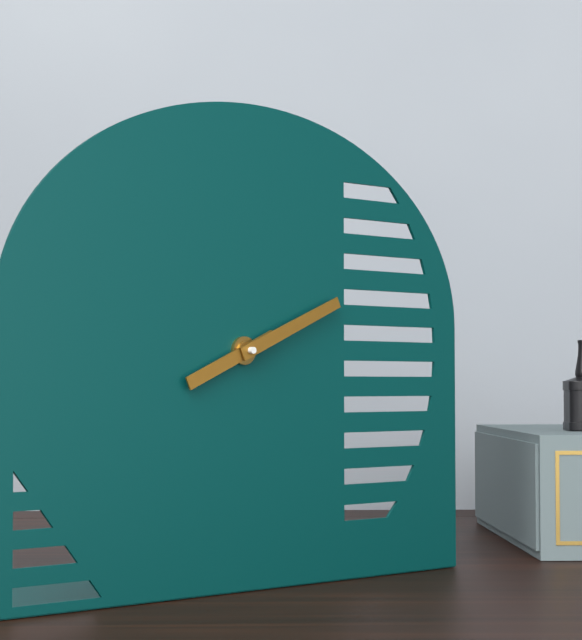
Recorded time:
8 h 11 min
